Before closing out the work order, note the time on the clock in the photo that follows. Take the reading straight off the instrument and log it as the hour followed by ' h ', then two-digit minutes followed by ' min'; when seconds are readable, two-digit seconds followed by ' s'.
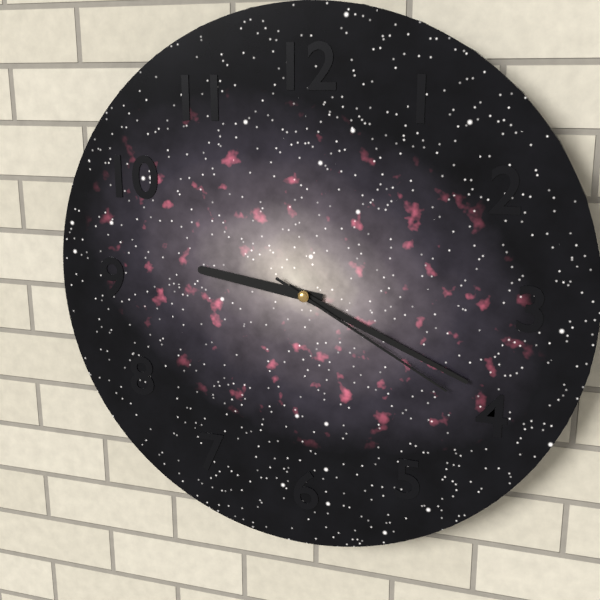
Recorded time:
9 h 19 min 20 s
